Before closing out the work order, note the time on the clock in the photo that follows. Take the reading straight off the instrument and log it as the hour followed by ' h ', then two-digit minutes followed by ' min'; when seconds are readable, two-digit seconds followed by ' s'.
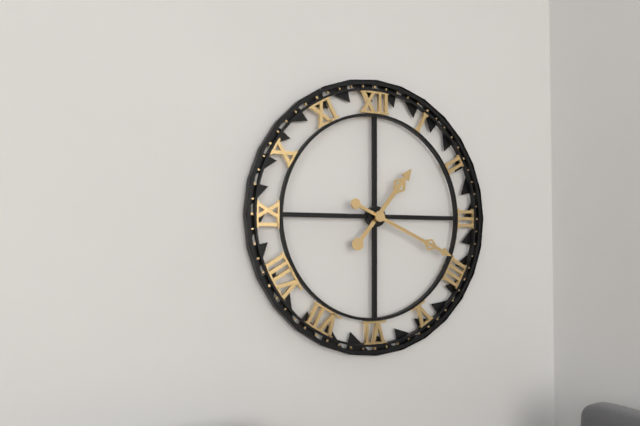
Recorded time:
1 h 19 min
